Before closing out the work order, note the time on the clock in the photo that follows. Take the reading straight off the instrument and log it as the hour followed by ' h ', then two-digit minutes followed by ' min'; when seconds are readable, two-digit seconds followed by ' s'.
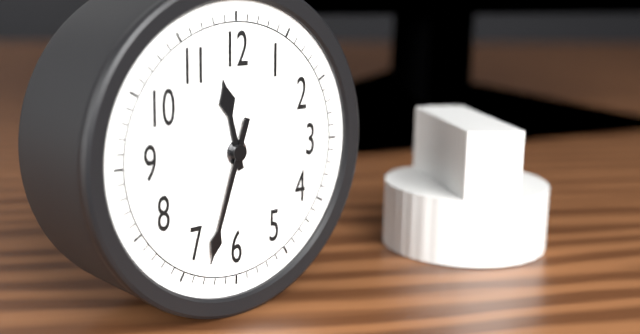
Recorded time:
11 h 33 min
